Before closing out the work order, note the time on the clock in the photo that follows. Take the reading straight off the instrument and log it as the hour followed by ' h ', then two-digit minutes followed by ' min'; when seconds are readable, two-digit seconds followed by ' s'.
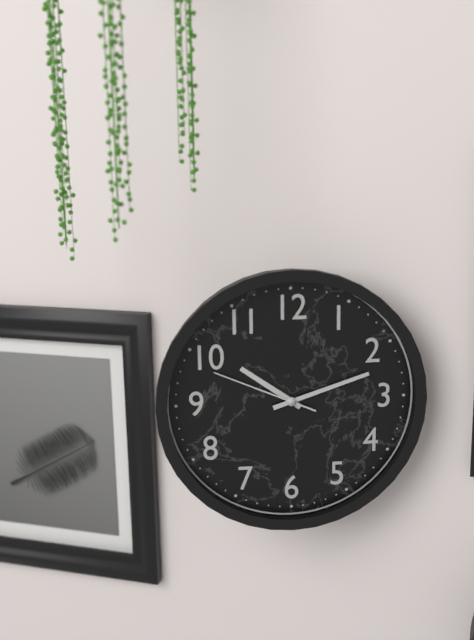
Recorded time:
10 h 12 min 49 s
